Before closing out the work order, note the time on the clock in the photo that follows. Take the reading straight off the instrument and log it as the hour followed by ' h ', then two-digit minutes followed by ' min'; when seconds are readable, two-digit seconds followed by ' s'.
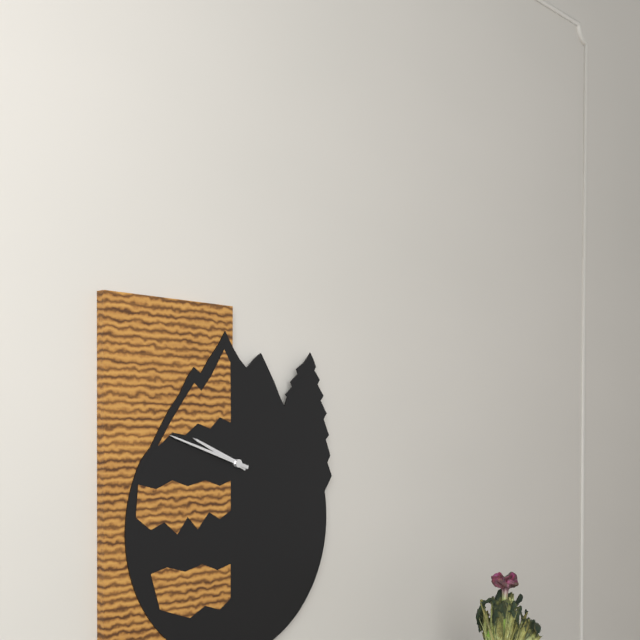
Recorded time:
9 h 48 min
